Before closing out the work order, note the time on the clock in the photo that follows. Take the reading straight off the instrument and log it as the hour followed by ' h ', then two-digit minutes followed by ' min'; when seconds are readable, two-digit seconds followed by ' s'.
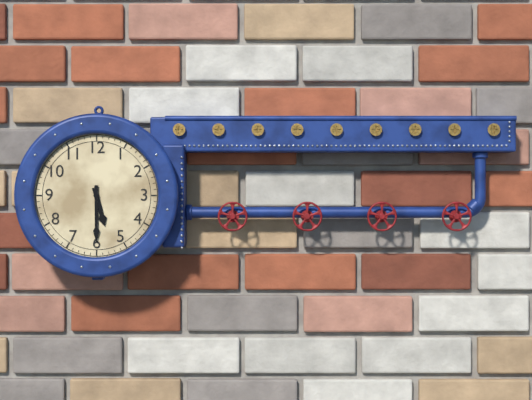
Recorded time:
5 h 30 min
